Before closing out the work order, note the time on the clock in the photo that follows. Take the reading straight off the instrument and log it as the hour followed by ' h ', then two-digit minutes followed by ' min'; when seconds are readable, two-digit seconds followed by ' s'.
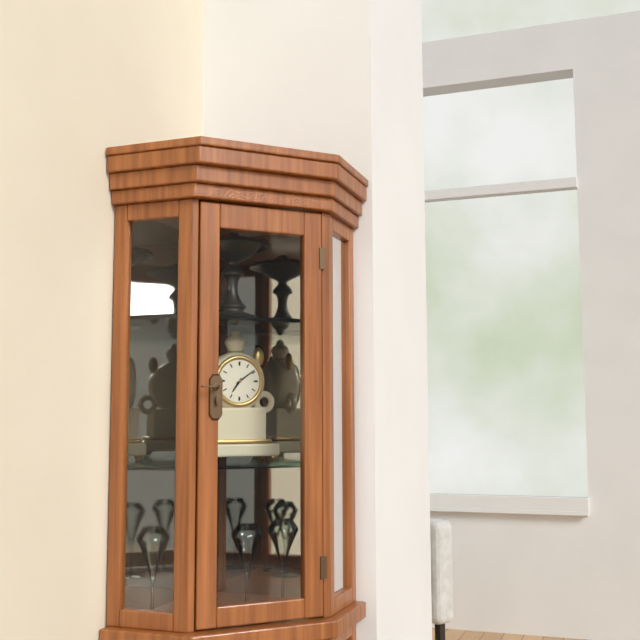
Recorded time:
7 h 09 min
